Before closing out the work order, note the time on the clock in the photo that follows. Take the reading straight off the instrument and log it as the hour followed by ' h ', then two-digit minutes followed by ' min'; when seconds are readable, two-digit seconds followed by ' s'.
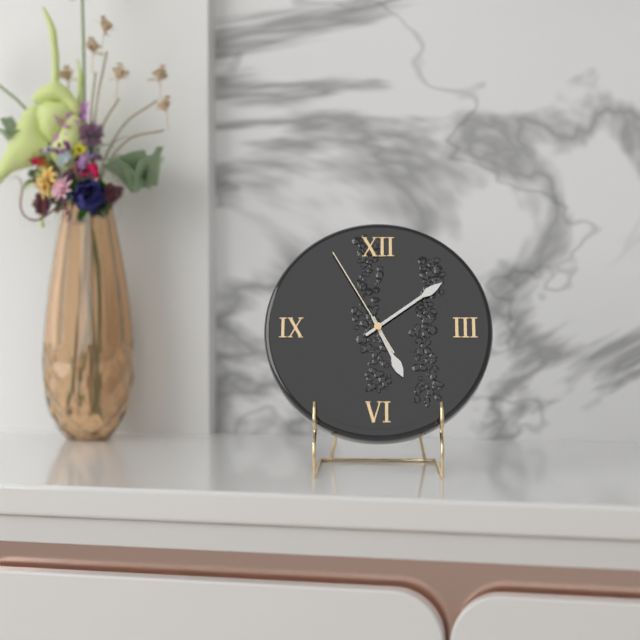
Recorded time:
5 h 09 min 55 s
